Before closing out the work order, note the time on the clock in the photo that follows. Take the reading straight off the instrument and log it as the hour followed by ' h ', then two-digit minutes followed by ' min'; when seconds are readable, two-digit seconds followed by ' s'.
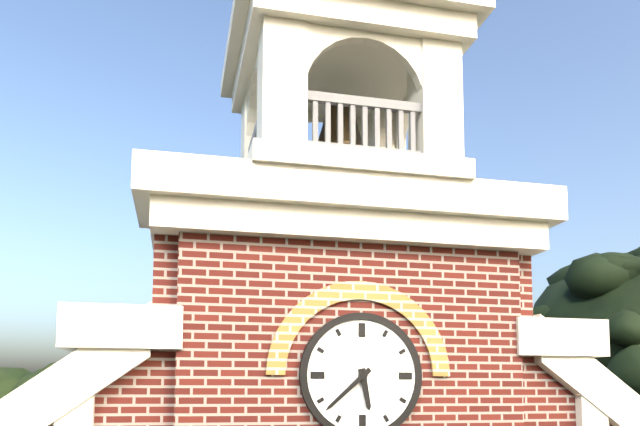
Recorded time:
5 h 38 min
